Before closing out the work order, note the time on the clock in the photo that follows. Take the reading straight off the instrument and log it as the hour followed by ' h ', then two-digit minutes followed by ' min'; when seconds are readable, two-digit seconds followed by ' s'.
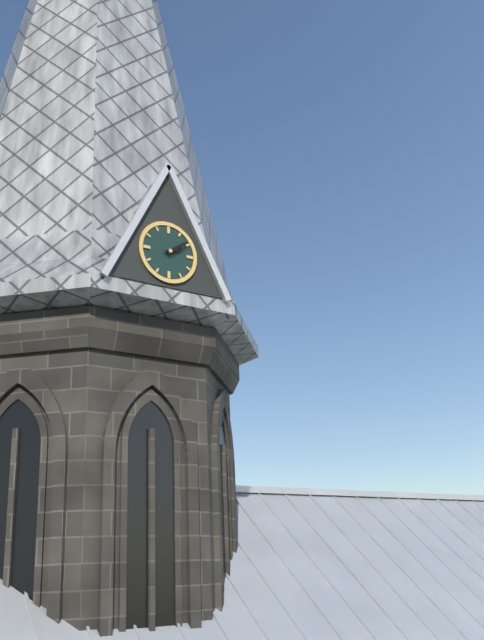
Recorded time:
2 h 09 min
